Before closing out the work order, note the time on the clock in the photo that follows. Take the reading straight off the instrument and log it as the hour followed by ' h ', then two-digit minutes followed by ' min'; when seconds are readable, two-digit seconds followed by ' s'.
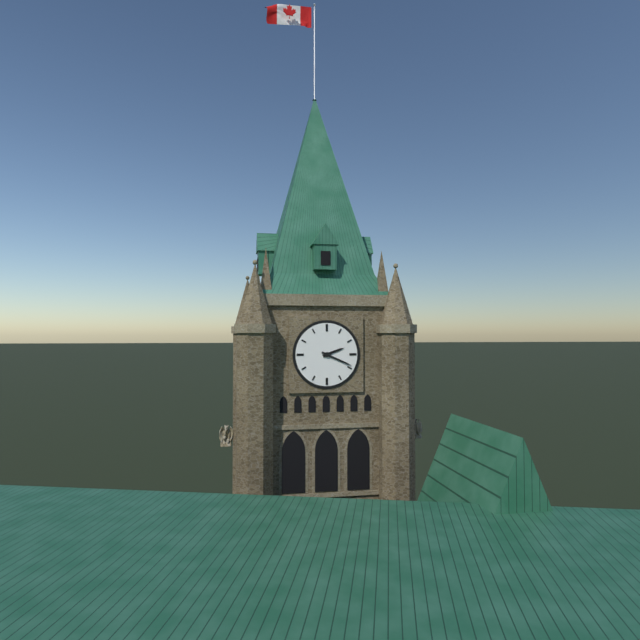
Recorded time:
2 h 19 min
